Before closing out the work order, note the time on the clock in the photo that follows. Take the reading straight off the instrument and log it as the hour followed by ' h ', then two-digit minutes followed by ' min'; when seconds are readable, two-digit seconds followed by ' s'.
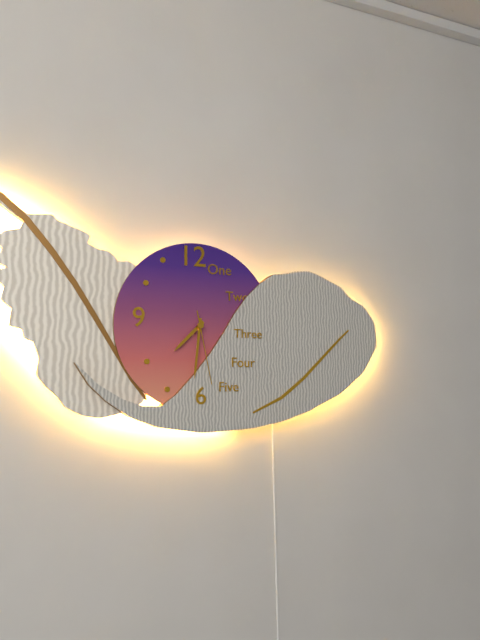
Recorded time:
7 h 31 min 28 s
